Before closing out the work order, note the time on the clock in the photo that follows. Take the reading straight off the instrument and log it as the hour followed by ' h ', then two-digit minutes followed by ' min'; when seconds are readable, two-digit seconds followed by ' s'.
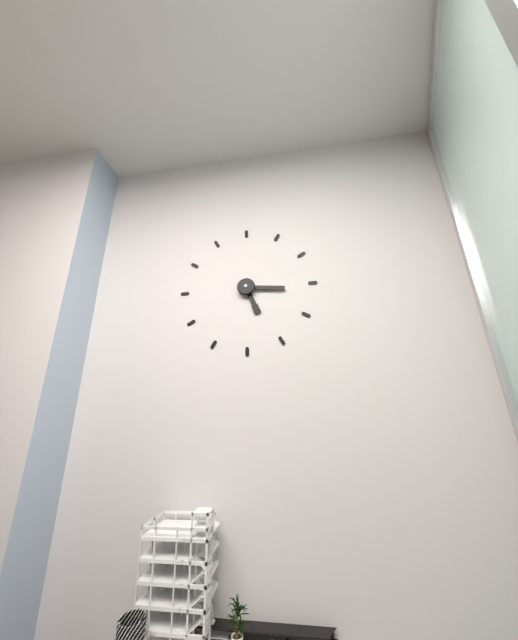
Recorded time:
5 h 16 min
